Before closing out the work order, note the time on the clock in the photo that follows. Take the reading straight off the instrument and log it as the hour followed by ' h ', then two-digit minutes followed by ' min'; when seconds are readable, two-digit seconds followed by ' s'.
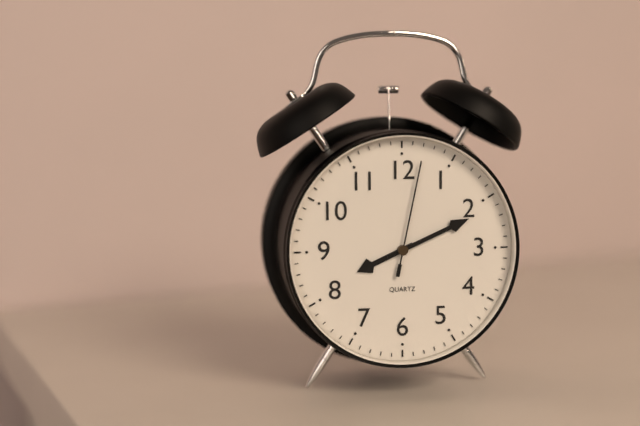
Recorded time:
8 h 11 min 02 s
